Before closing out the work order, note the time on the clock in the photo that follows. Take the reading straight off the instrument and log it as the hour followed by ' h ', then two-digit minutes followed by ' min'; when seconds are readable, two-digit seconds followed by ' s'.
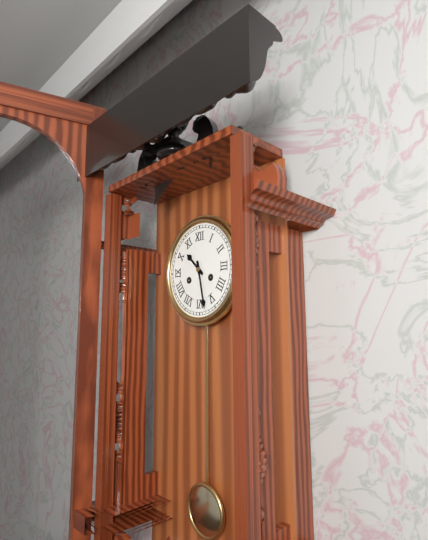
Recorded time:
10 h 28 min
